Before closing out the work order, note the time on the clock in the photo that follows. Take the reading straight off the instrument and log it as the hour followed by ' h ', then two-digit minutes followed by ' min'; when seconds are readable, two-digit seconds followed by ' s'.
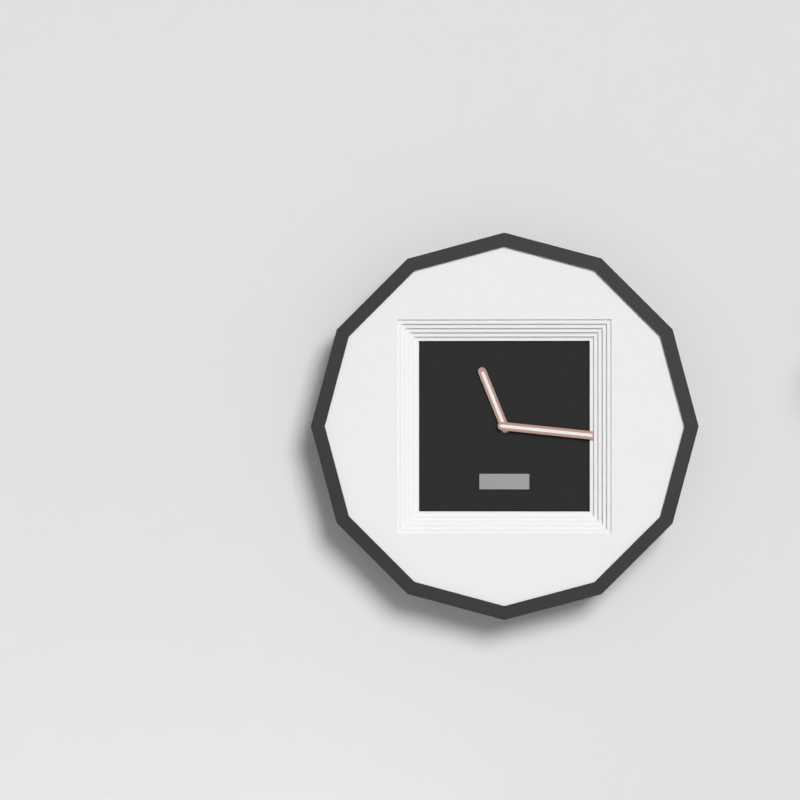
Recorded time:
11 h 16 min
